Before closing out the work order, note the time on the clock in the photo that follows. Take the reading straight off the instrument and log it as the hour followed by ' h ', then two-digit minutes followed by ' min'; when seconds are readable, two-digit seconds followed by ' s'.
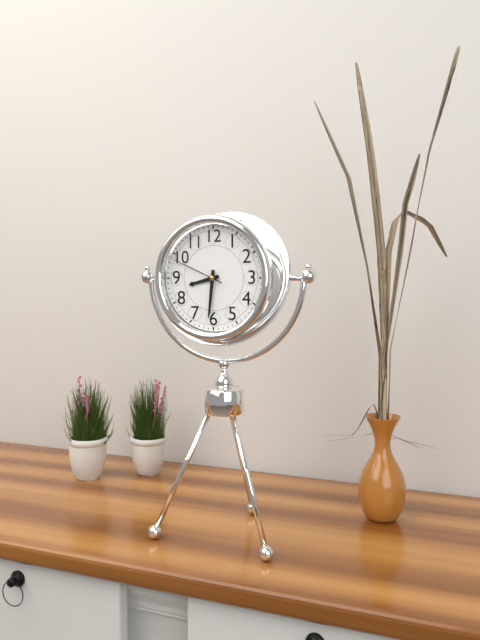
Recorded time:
8 h 31 min 49 s
